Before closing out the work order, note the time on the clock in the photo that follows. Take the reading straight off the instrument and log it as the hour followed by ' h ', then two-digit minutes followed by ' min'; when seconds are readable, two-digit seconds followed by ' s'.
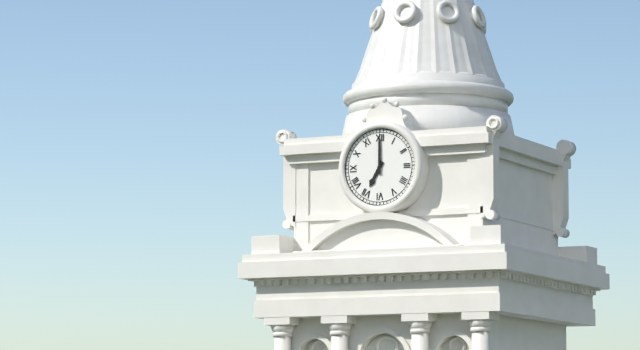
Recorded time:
7 h 00 min
